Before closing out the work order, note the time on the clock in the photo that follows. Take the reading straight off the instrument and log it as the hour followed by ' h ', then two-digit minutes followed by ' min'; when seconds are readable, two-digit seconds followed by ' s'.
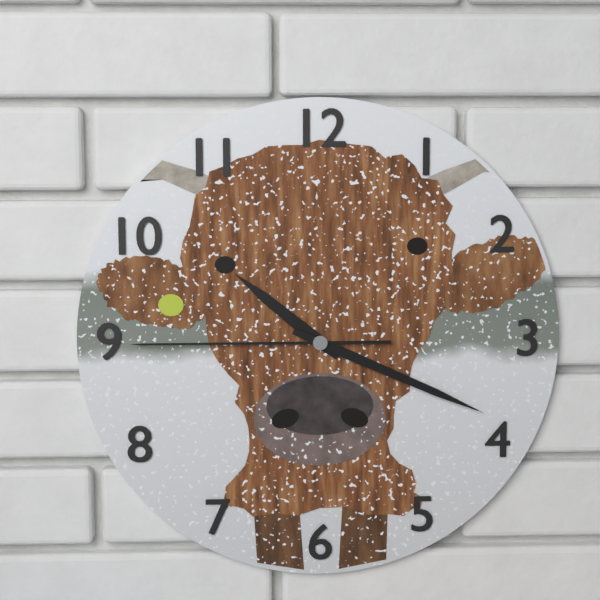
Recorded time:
10 h 19 min 45 s
